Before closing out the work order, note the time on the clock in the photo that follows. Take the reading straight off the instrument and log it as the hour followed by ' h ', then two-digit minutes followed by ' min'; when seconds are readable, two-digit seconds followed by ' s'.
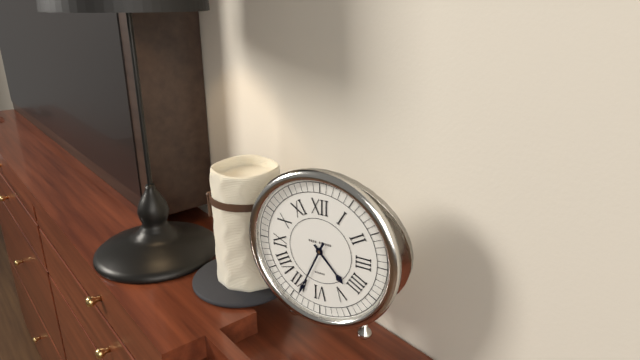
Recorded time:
4 h 34 min
